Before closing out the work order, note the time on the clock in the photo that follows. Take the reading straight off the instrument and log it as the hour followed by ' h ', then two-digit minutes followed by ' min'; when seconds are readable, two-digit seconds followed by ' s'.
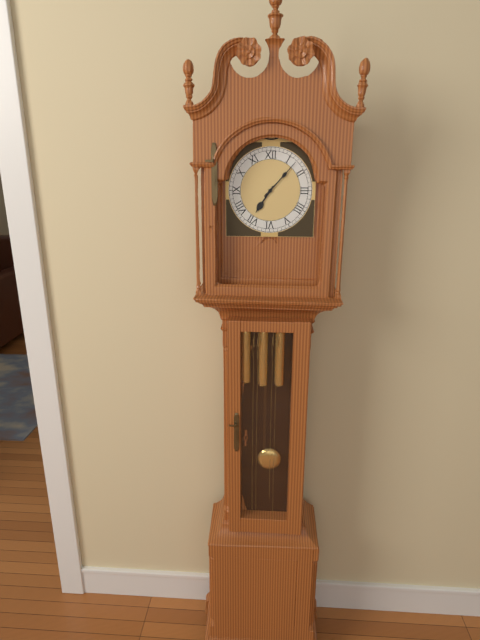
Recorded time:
7 h 07 min
